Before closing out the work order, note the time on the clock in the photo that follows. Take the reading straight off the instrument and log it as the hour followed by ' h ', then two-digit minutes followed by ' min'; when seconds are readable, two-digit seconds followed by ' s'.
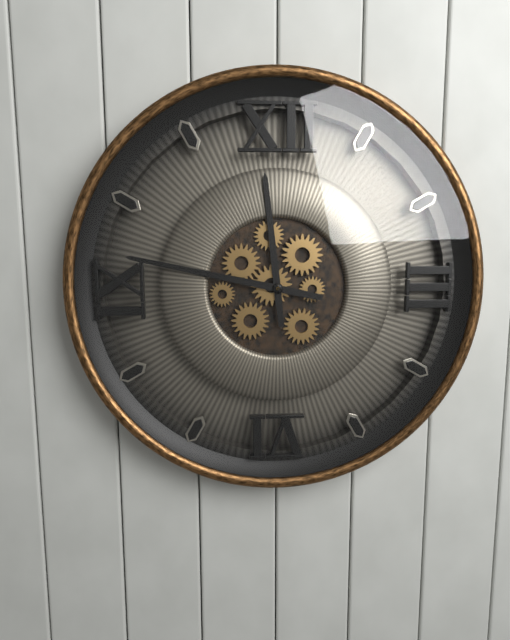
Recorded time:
11 h 47 min
